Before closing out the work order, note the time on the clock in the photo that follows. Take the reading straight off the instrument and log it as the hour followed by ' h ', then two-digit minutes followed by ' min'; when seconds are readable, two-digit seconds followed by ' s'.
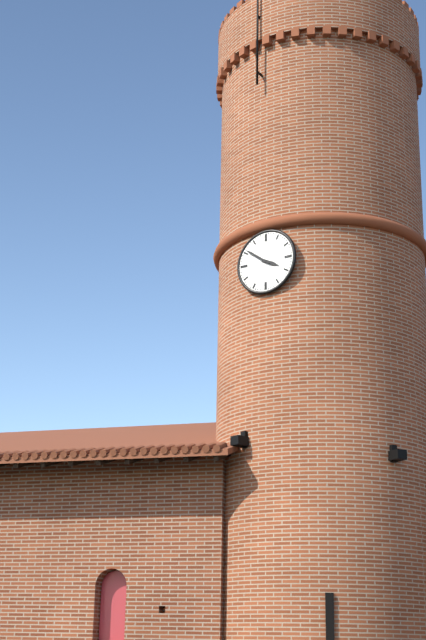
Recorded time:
3 h 51 min
